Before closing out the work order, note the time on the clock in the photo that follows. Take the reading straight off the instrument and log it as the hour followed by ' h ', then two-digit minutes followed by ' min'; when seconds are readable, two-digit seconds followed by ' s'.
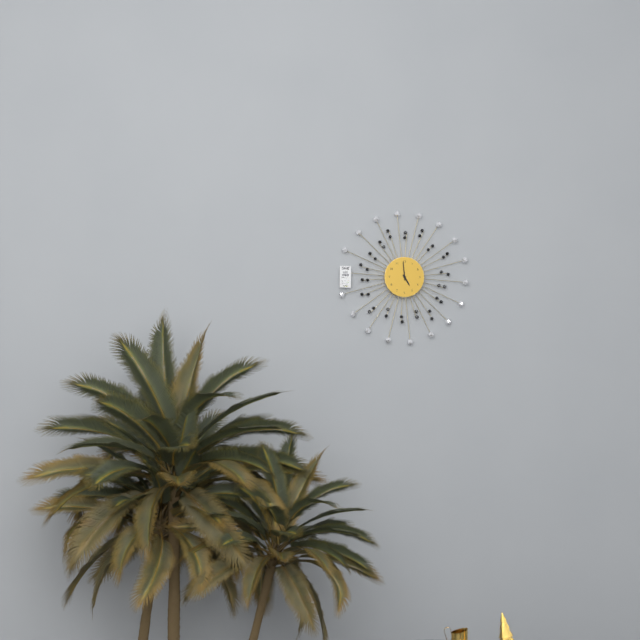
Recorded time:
4 h 59 min
